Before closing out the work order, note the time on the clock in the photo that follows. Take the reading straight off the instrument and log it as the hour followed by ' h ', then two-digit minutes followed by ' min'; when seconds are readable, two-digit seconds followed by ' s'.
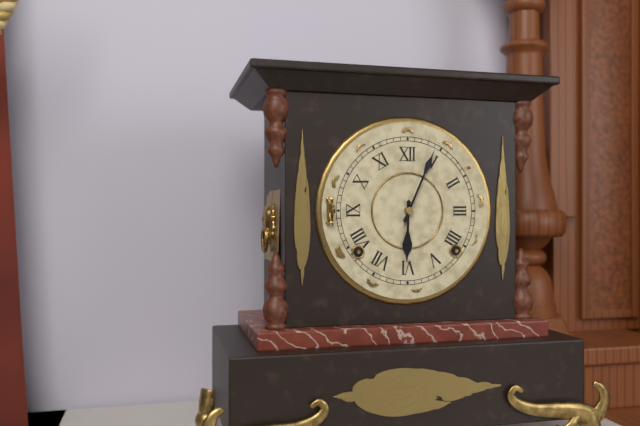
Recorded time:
6 h 04 min
